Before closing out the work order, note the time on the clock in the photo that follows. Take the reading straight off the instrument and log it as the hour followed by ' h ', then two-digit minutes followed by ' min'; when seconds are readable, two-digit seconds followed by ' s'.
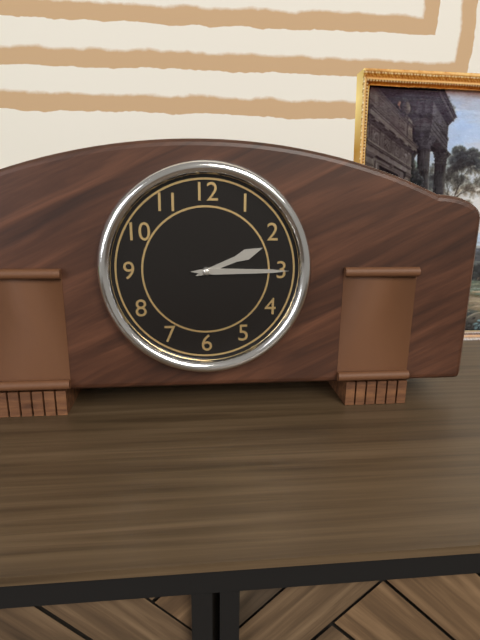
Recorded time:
2 h 15 min
